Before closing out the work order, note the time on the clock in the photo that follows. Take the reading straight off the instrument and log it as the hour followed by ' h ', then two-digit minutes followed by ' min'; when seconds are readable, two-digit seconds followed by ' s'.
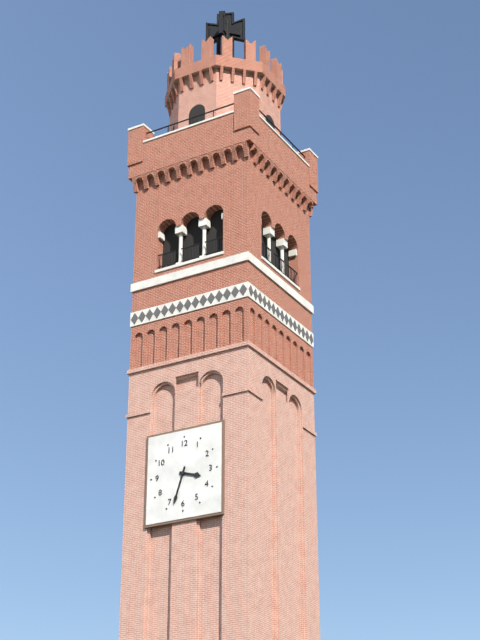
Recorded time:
3 h 33 min
